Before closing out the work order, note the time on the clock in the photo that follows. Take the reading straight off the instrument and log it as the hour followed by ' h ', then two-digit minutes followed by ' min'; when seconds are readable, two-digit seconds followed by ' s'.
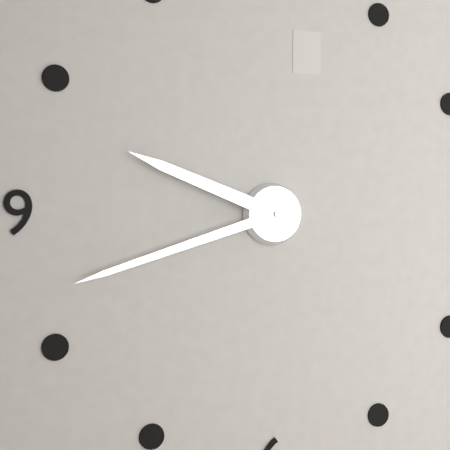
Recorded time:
9 h 42 min
